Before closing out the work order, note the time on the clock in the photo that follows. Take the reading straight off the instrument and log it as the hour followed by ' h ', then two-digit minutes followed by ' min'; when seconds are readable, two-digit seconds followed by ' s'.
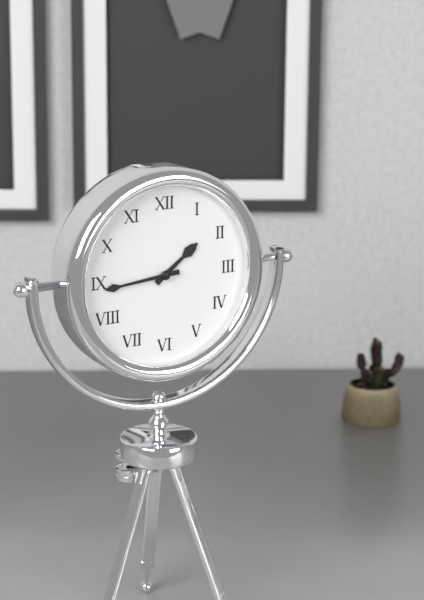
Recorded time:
1 h 44 min
